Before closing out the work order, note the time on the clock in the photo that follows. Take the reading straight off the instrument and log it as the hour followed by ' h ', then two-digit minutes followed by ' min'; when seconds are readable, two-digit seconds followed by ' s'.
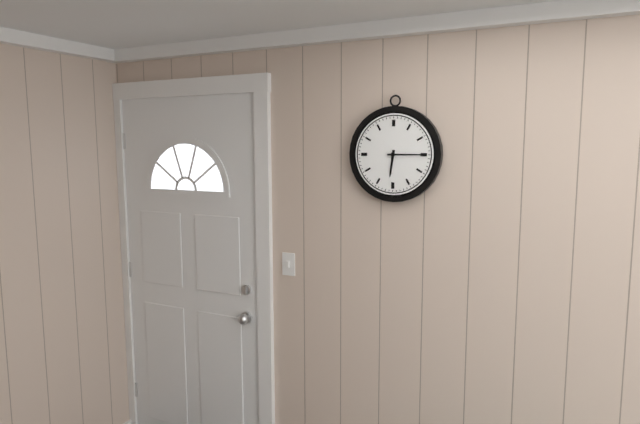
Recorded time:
6 h 15 min
